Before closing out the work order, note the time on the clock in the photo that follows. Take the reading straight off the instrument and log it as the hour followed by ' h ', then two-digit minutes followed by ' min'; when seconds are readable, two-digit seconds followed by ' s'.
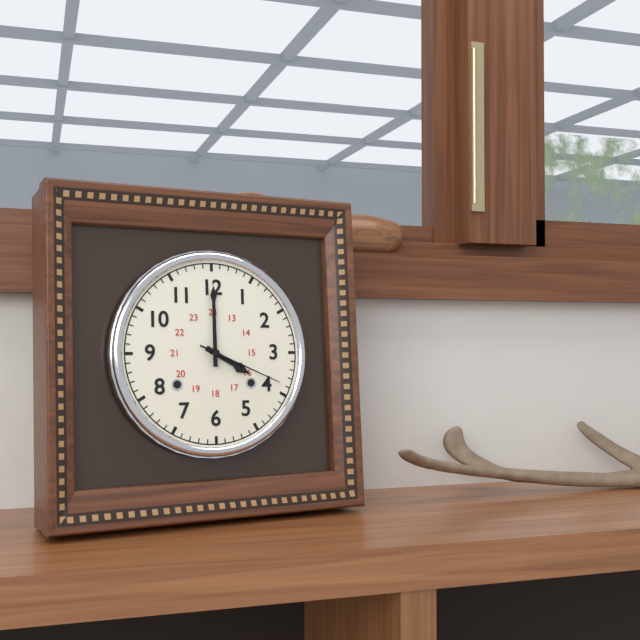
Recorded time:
4 h 00 min 19 s
